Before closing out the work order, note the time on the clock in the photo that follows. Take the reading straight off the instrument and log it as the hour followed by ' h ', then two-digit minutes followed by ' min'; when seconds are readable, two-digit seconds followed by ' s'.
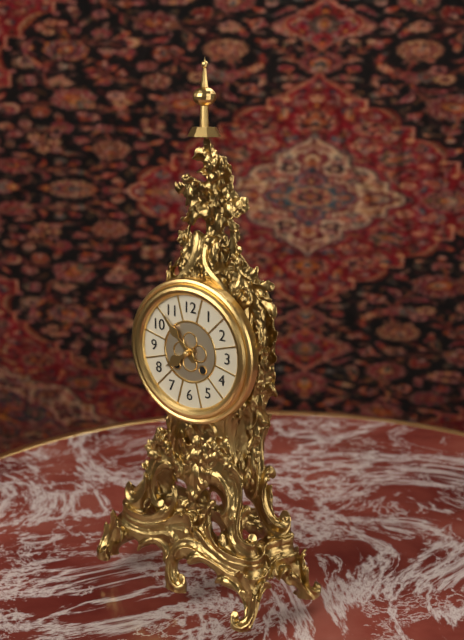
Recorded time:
7 h 53 min
